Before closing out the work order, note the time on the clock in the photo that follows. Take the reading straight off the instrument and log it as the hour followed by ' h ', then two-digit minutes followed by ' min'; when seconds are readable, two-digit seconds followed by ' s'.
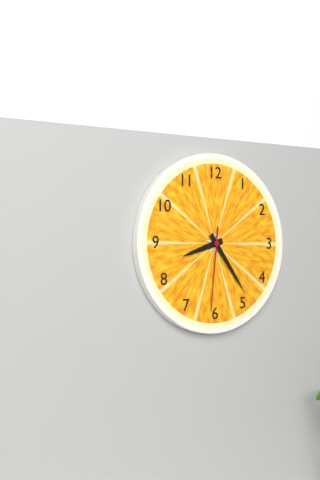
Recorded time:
8 h 24 min 31 s
